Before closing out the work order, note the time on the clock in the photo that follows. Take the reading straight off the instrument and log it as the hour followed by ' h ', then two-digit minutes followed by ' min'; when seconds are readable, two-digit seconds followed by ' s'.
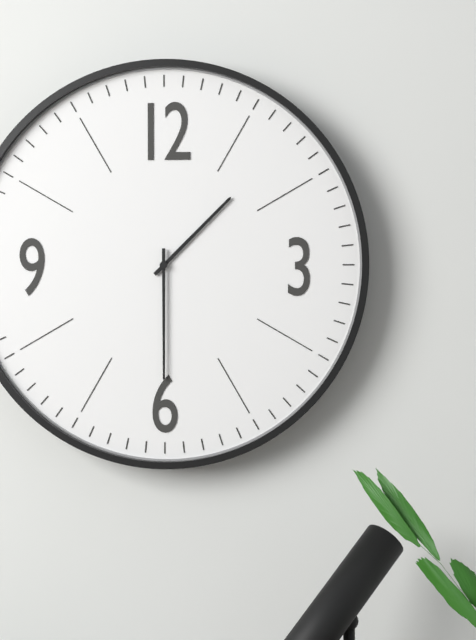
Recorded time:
1 h 30 min
